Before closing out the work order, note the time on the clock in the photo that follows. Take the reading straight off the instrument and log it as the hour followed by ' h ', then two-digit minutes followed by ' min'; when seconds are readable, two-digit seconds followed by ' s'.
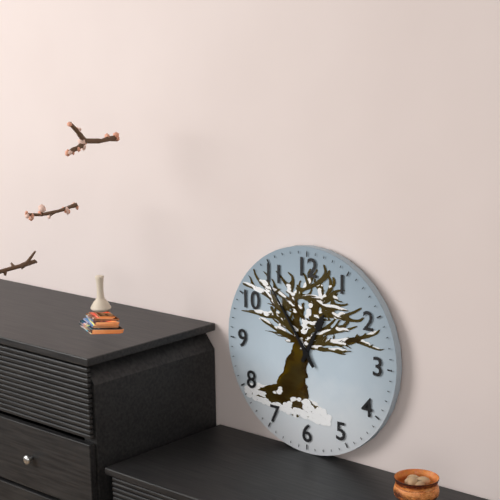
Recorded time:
12 h 54 min
